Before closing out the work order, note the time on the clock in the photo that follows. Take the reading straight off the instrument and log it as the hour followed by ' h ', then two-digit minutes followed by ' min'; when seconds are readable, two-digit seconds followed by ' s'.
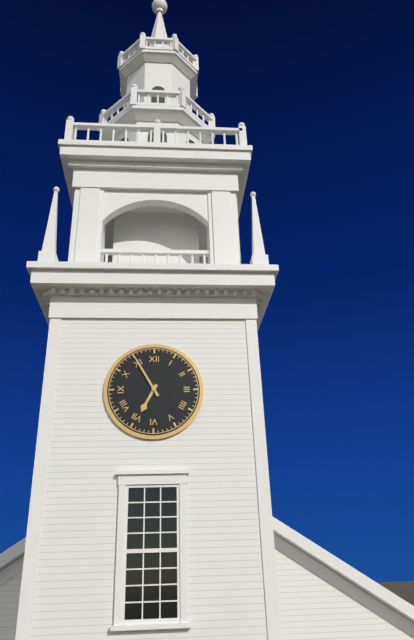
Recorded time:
6 h 55 min
